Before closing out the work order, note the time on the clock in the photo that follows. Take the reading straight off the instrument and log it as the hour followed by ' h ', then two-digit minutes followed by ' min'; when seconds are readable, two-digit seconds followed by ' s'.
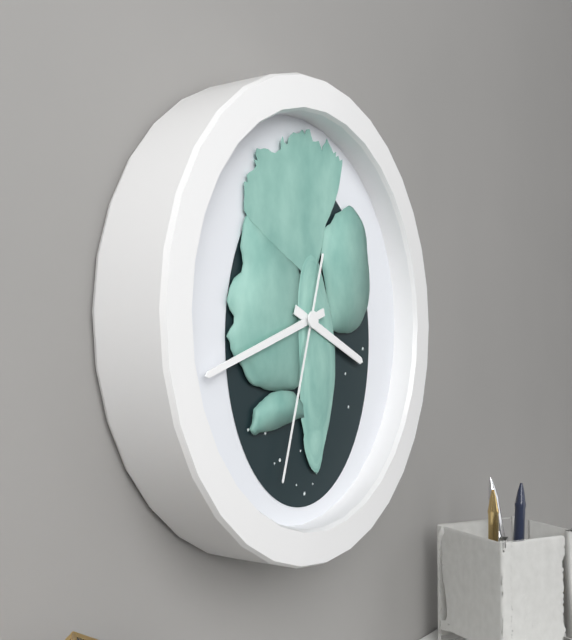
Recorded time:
3 h 42 min 33 s
